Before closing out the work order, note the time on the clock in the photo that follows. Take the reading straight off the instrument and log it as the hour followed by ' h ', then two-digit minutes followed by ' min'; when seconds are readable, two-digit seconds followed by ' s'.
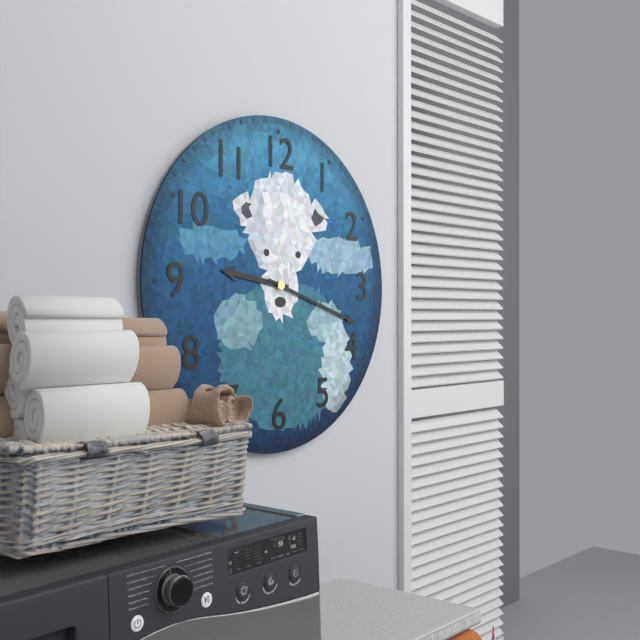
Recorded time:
9 h 18 min
